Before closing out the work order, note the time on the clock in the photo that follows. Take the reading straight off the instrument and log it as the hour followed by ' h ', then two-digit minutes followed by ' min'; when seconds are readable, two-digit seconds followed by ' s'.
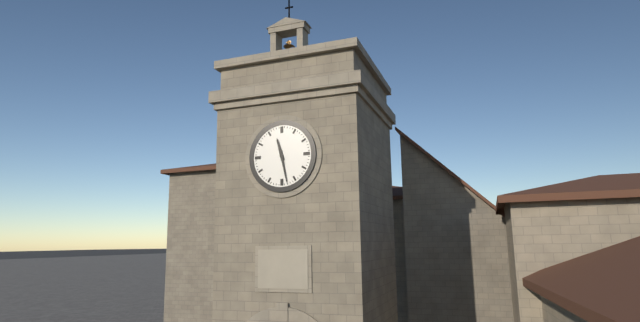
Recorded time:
11 h 28 min
